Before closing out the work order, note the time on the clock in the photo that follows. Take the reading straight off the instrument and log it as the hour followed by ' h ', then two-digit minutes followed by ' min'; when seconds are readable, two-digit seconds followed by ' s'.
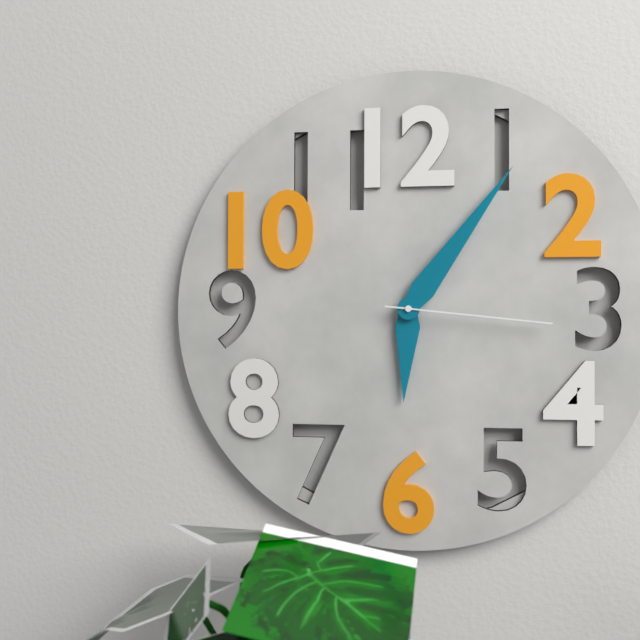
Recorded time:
6 h 06 min 16 s
